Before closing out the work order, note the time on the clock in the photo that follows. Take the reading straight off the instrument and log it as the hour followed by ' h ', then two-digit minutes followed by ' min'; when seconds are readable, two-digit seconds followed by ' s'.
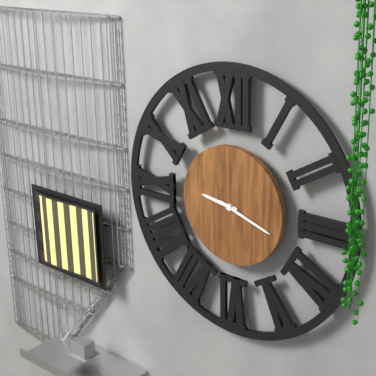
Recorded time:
9 h 18 min
